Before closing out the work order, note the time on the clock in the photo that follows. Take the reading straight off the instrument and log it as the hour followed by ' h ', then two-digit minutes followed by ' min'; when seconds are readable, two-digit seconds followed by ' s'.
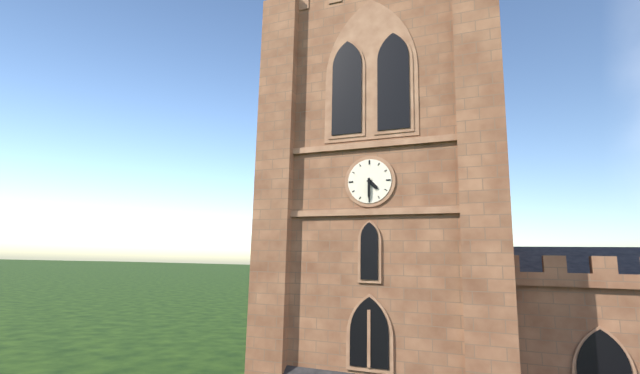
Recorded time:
4 h 30 min
